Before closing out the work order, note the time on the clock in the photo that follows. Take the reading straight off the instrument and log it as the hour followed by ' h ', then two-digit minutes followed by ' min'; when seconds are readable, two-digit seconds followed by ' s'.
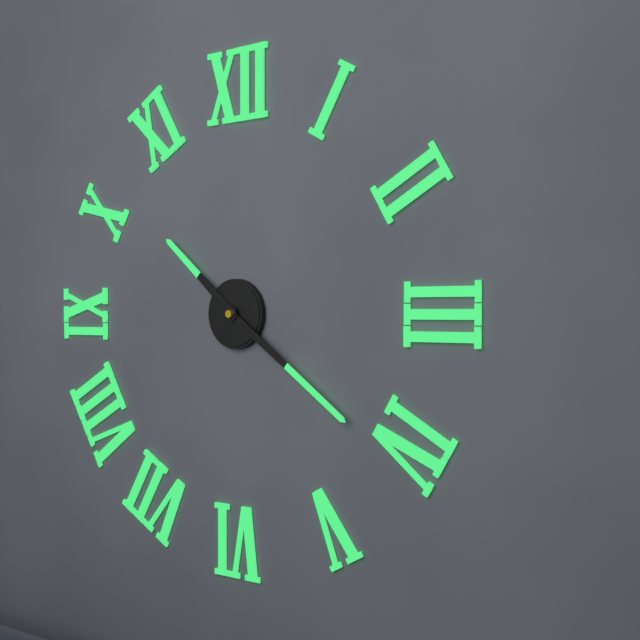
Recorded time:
10 h 21 min
